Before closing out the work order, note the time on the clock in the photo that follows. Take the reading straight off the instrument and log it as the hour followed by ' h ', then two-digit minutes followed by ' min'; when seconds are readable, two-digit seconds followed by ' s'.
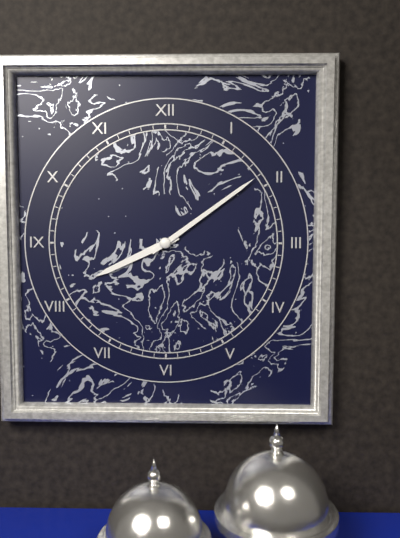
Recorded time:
8 h 09 min
